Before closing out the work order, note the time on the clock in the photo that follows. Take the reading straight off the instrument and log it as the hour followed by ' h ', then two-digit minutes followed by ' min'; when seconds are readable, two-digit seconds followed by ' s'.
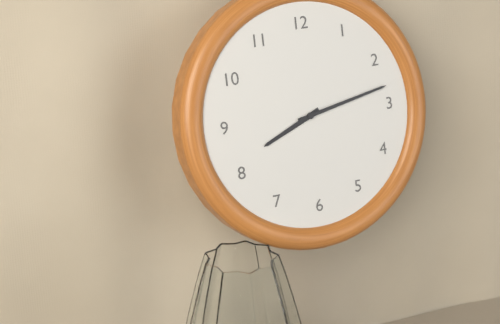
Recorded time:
8 h 13 min
